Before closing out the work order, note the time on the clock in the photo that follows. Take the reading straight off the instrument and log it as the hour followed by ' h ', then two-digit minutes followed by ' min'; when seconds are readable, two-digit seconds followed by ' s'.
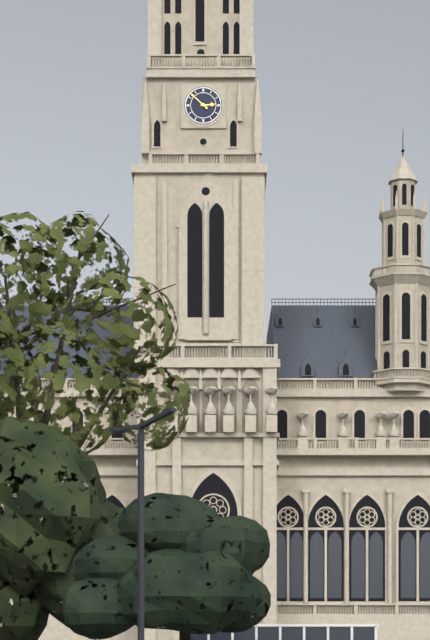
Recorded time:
2 h 52 min
